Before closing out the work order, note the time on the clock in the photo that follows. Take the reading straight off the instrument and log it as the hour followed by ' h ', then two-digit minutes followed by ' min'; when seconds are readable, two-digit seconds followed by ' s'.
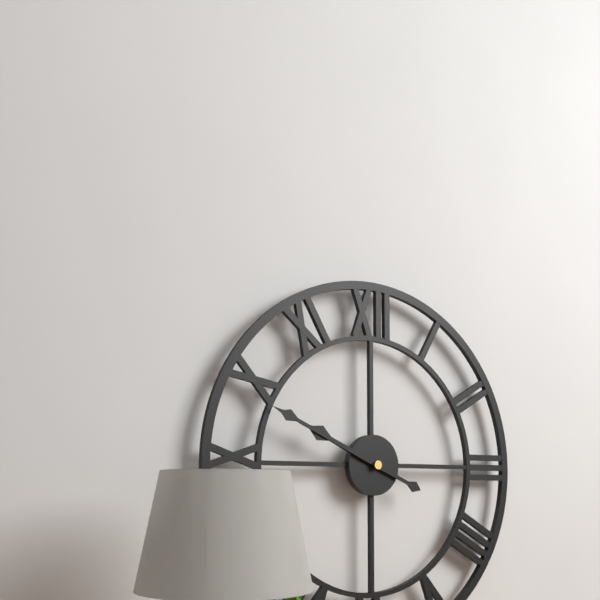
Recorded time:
9 h 49 min
